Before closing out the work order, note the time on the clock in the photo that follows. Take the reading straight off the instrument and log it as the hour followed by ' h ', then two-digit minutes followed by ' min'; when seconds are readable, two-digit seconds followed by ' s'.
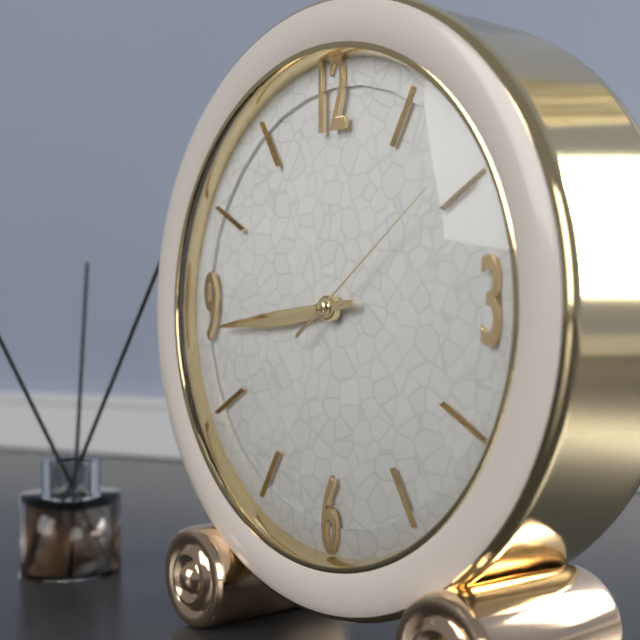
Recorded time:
8 h 44 min 09 s
